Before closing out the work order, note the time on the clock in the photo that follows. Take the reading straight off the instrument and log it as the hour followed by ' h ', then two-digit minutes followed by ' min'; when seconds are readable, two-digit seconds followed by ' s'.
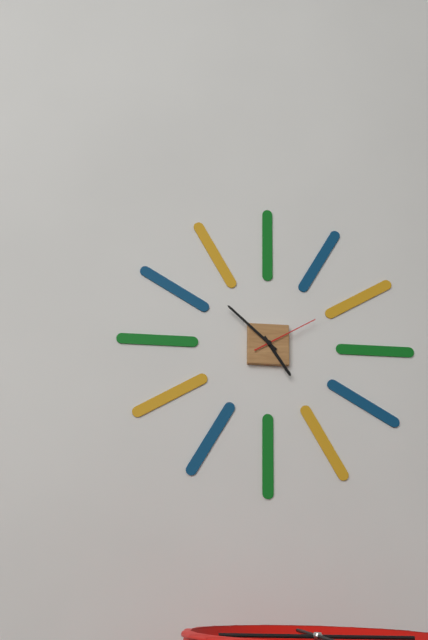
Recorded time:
4 h 52 min 10 s
